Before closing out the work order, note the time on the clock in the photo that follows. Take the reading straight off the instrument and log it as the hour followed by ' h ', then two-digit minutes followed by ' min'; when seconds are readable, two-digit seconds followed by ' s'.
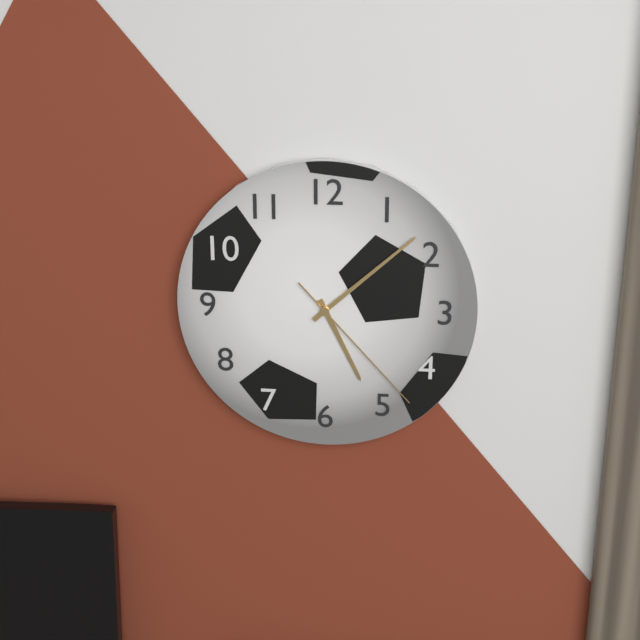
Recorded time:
5 h 08 min 23 s
